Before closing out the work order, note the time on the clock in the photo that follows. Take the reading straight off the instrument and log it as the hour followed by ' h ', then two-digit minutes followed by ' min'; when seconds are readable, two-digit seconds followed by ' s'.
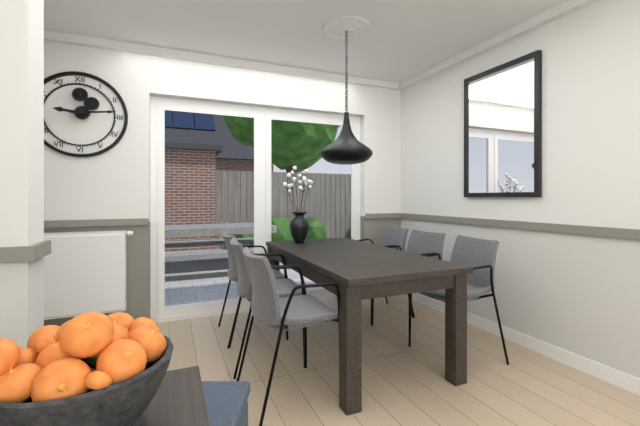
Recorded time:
9 h 14 min
